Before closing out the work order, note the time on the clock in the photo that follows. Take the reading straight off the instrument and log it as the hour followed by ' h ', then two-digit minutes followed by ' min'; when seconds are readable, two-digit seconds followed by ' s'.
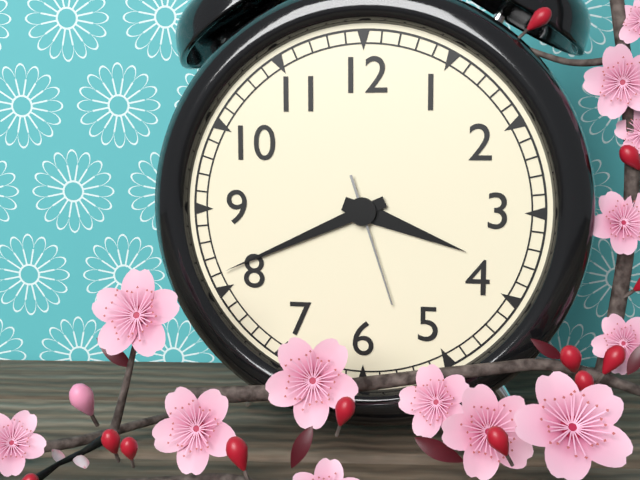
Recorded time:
3 h 41 min 27 s
